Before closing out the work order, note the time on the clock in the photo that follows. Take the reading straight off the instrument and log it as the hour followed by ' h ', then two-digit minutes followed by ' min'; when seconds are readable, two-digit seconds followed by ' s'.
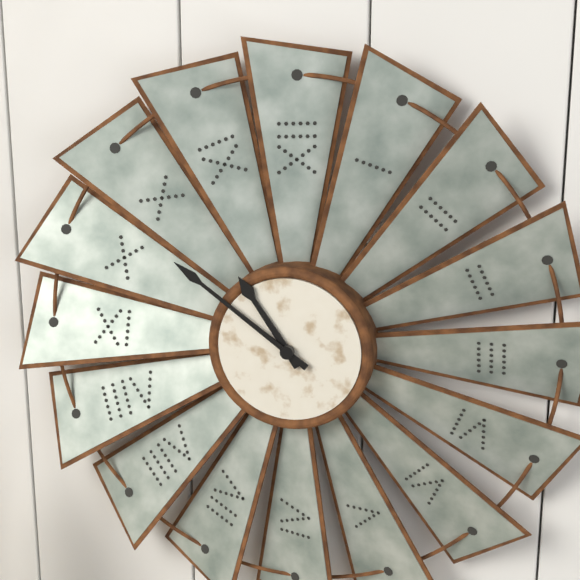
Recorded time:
10 h 51 min
